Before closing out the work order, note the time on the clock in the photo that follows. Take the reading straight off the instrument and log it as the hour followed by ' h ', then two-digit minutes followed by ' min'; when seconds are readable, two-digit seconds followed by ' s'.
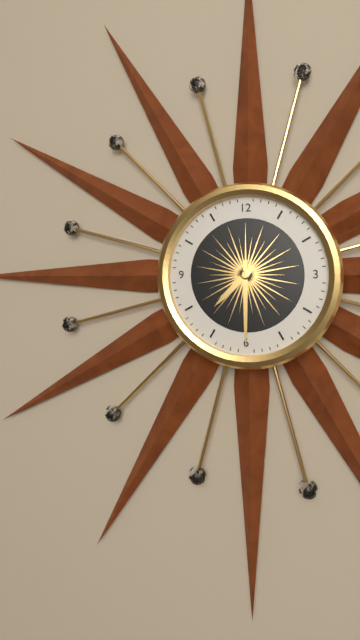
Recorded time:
7 h 30 min
